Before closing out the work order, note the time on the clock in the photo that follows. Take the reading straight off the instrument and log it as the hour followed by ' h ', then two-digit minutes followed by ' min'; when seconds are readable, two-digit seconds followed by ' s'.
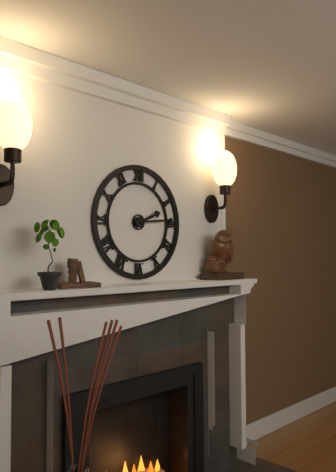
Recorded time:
2 h 14 min
